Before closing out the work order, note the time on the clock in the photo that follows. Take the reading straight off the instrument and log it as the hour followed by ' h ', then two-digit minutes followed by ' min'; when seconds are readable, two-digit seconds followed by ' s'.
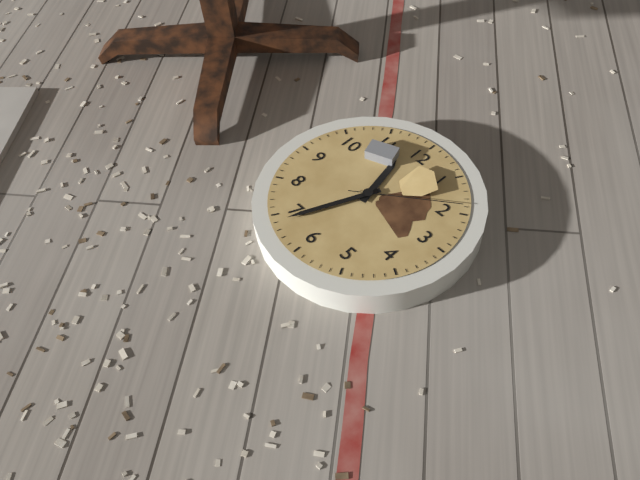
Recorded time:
11 h 34 min 09 s
